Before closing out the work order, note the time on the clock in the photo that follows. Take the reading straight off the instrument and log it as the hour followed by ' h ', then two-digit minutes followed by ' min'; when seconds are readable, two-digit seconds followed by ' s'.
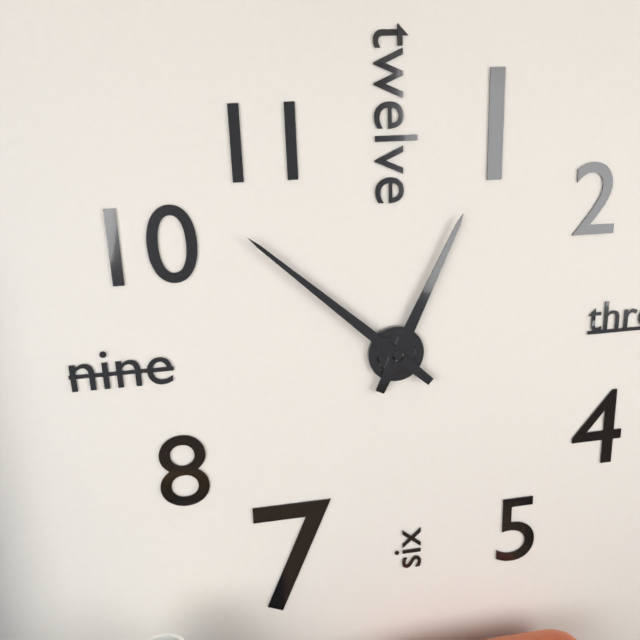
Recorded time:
12 h 52 min
